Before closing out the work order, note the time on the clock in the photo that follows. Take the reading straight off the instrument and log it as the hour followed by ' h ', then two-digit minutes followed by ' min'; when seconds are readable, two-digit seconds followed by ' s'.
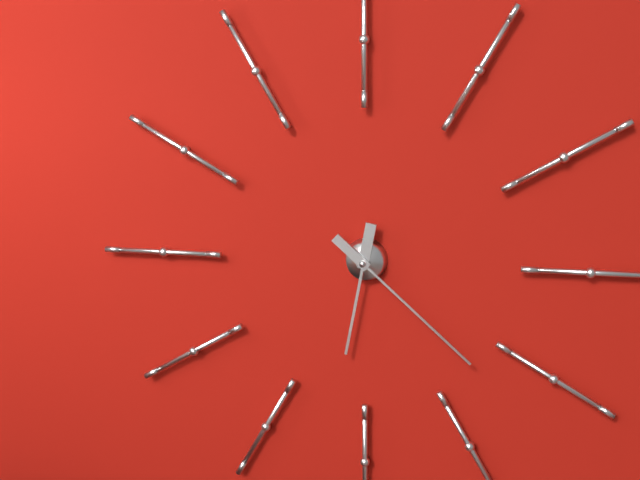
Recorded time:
6 h 22 min
